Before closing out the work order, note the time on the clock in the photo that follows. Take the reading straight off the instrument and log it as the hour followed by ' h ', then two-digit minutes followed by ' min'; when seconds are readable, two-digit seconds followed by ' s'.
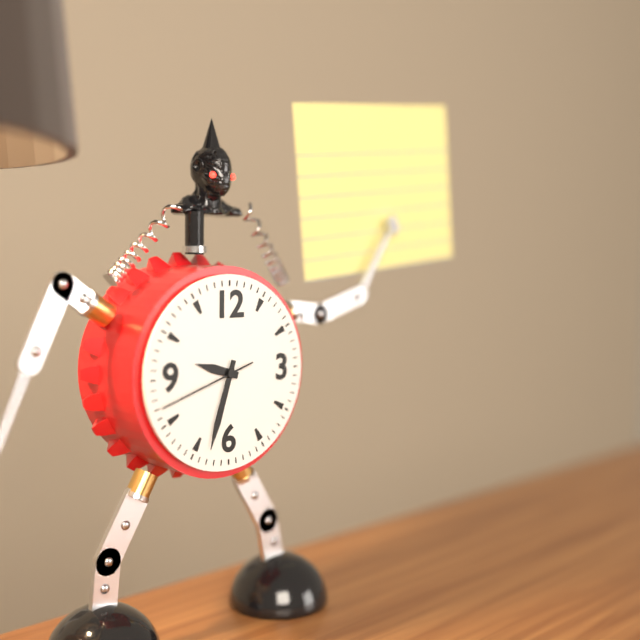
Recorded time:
9 h 33 min 42 s
